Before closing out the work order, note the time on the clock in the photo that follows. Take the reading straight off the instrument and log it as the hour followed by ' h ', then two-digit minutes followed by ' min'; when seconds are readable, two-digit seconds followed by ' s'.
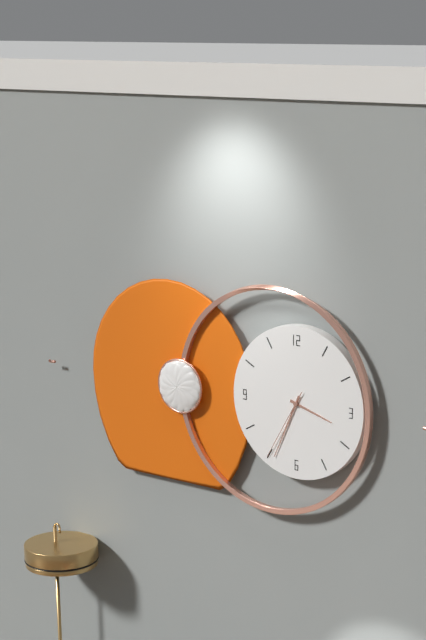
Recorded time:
3 h 34 min 35 s
